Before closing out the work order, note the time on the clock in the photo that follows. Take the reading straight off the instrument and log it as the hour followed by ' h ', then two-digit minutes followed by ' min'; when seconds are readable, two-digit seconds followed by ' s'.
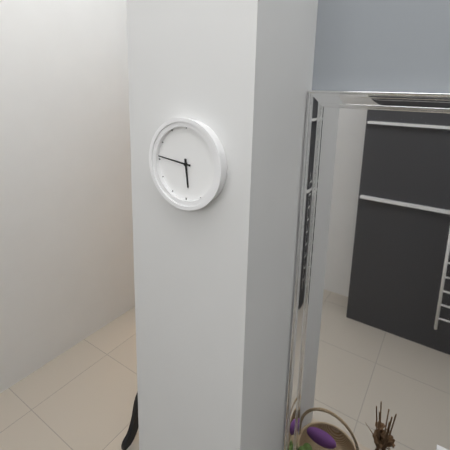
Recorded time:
5 h 46 min
